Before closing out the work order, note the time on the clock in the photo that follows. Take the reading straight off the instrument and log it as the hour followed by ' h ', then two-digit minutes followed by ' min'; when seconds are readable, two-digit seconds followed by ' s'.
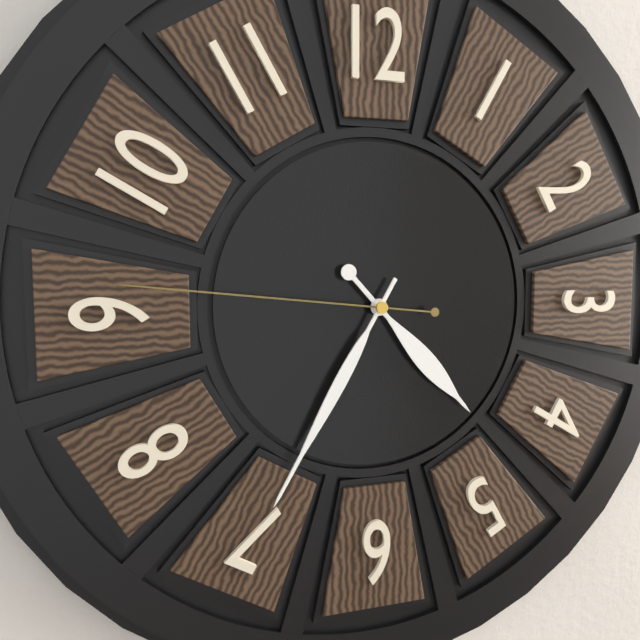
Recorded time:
4 h 35 min 46 s
